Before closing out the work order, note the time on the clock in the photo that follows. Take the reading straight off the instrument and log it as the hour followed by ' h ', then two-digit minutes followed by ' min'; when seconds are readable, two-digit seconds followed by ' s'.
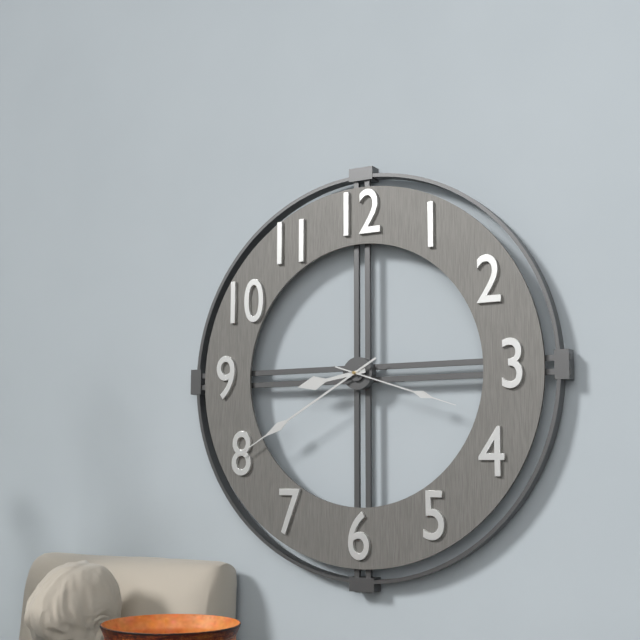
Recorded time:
8 h 40 min 18 s
